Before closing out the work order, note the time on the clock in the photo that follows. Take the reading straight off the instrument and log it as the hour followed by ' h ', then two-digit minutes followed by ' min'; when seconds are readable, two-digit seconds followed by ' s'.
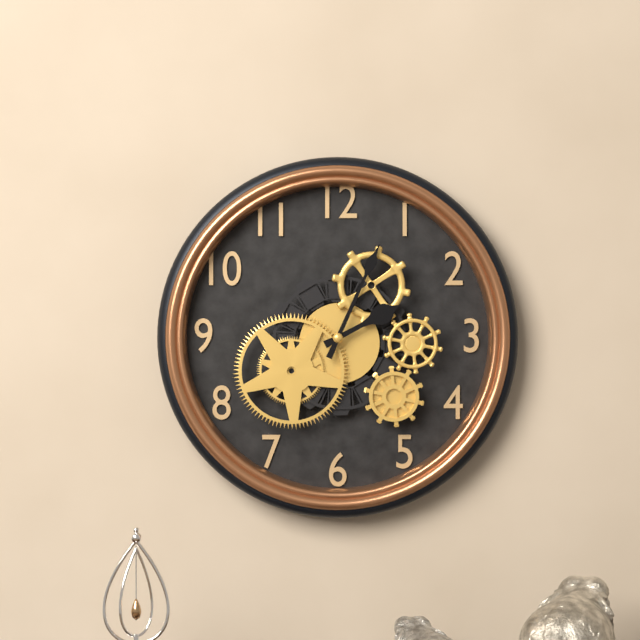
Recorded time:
2 h 04 min
